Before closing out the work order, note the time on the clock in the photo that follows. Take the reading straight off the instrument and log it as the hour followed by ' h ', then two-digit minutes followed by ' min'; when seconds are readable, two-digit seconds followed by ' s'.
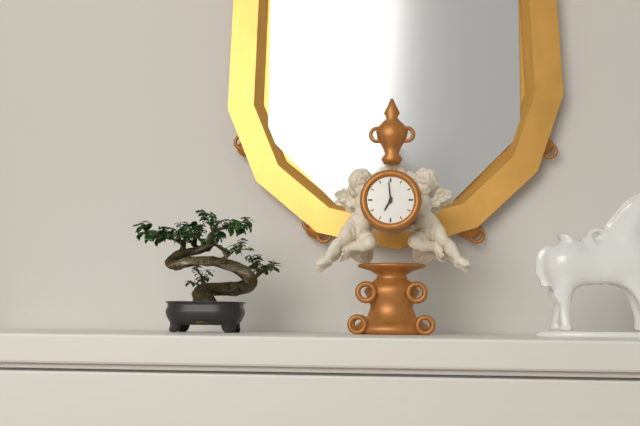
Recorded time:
6 h 59 min
